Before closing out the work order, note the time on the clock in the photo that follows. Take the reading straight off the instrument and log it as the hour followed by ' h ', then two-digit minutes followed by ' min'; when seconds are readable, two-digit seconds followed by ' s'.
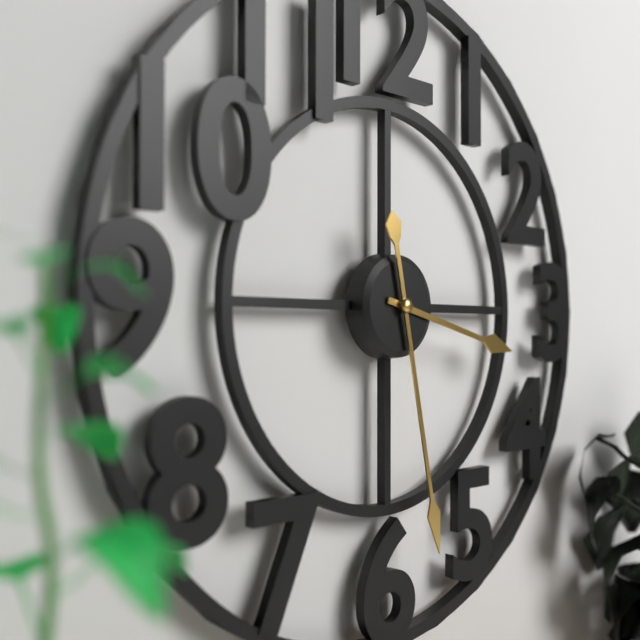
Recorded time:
3 h 28 min
